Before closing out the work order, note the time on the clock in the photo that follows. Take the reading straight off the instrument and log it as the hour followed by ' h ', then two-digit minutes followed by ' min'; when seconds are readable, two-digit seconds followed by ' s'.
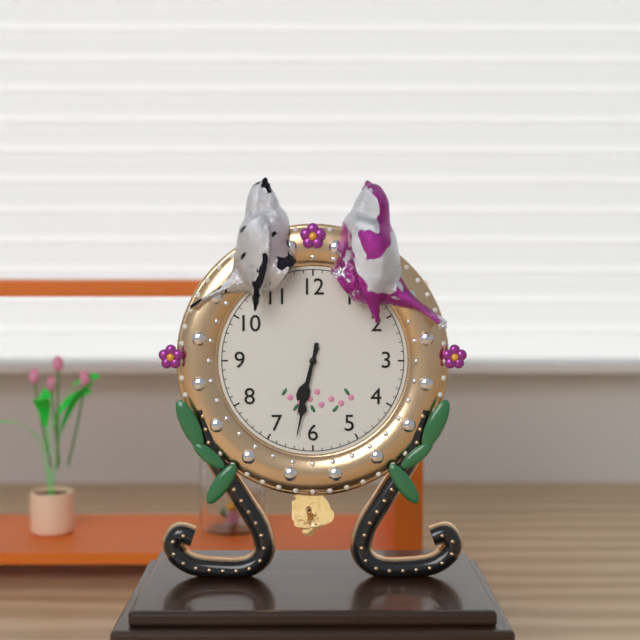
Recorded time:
6 h 32 min
